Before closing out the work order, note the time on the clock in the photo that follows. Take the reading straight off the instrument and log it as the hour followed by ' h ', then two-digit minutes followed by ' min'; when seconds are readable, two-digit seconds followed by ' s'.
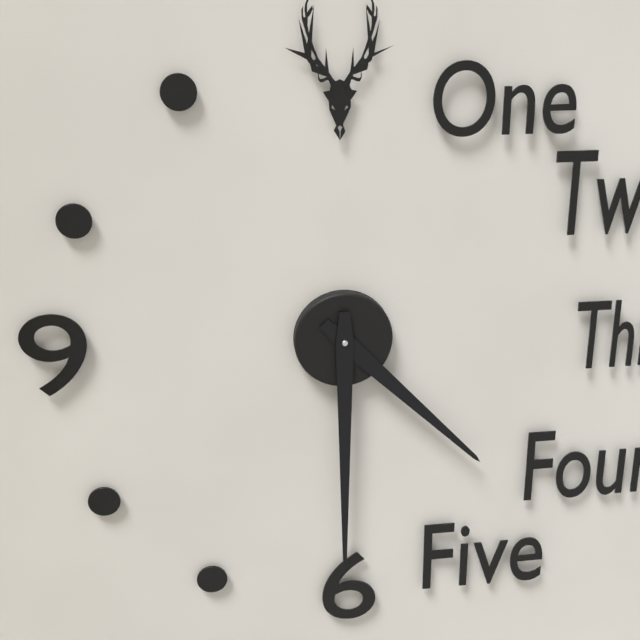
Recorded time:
4 h 30 min
